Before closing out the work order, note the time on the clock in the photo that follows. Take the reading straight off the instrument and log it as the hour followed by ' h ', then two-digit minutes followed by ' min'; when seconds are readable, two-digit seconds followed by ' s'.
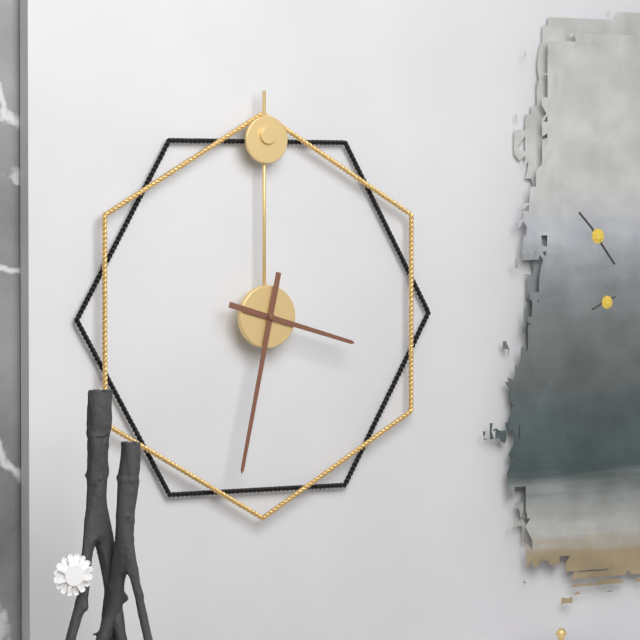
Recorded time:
3 h 32 min
